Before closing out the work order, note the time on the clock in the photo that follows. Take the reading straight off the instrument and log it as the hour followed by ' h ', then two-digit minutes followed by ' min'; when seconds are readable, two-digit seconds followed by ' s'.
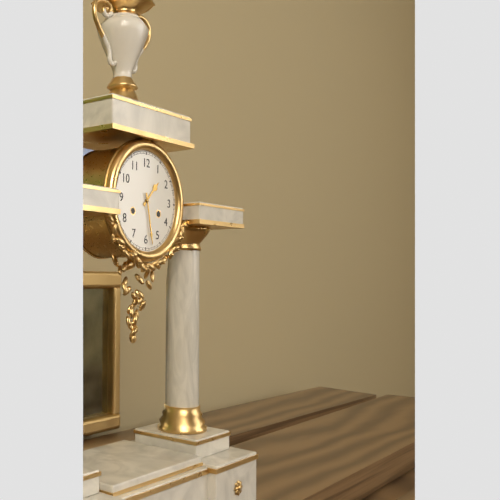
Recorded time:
1 h 28 min
